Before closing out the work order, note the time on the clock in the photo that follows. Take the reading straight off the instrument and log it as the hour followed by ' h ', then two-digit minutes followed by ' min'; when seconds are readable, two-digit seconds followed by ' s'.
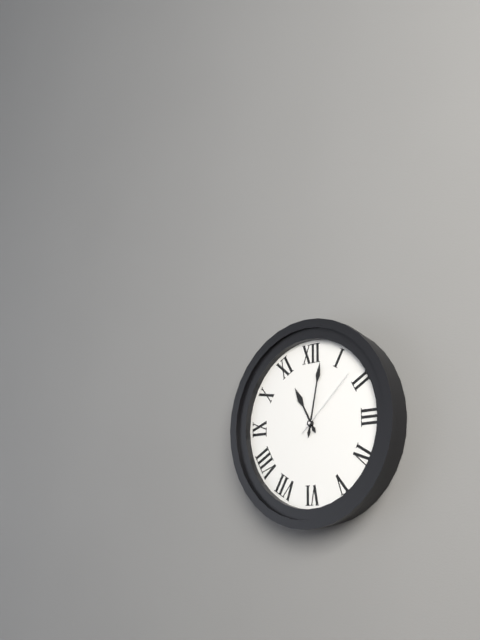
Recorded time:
11 h 02 min 08 s
